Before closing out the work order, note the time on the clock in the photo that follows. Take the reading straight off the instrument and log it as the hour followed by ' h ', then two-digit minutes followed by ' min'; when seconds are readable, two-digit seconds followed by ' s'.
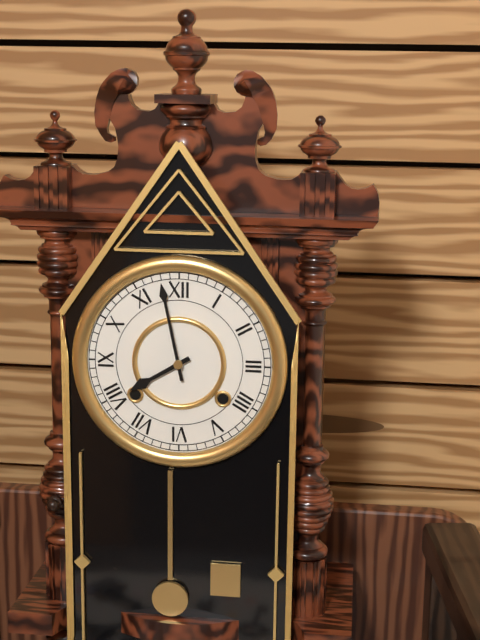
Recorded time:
7 h 58 min
